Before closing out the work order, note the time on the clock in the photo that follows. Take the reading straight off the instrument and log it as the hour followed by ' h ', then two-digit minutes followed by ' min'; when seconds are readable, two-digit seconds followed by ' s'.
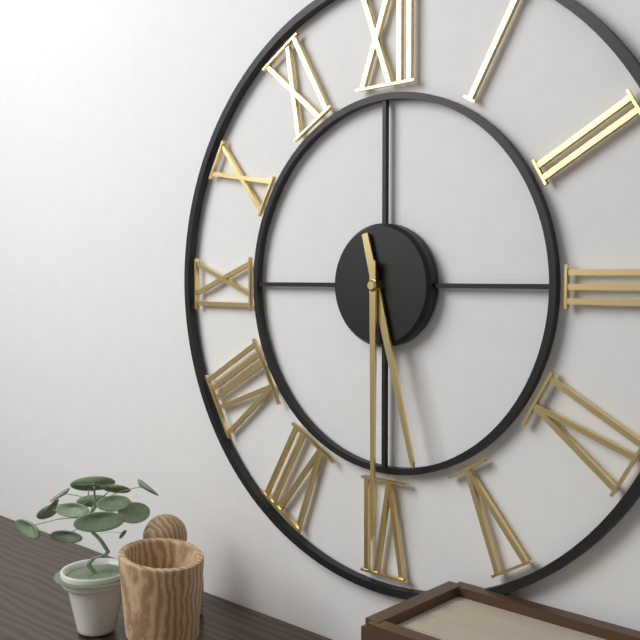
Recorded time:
5 h 30 min
